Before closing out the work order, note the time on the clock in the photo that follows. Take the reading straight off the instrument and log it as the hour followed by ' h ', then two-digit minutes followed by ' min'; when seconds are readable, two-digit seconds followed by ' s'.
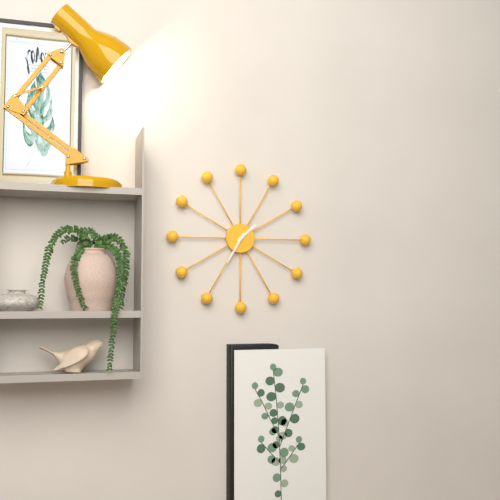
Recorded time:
1 h 35 min
